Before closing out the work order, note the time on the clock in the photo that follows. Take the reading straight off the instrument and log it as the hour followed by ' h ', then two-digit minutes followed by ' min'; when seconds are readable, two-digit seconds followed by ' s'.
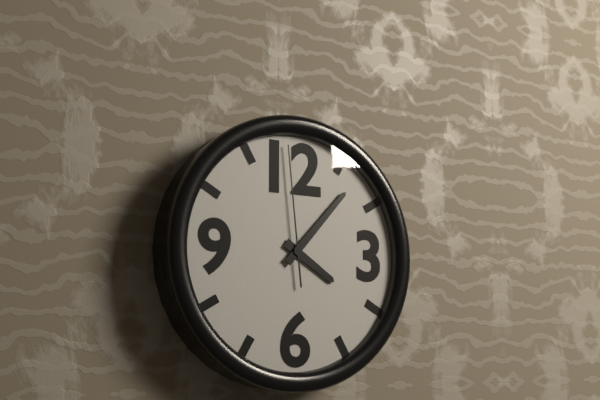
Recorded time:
4 h 07 min 59 s
